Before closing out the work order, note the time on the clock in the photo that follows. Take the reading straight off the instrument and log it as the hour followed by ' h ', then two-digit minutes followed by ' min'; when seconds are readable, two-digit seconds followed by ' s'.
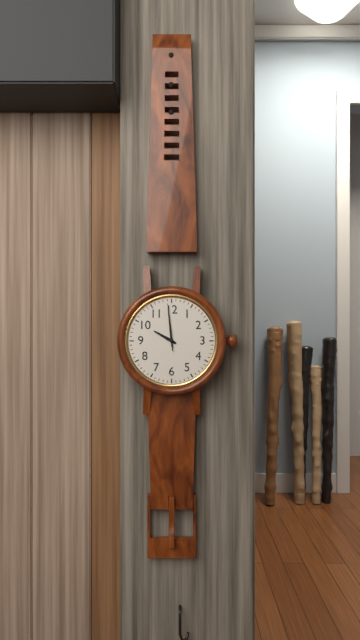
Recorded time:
9 h 59 min
